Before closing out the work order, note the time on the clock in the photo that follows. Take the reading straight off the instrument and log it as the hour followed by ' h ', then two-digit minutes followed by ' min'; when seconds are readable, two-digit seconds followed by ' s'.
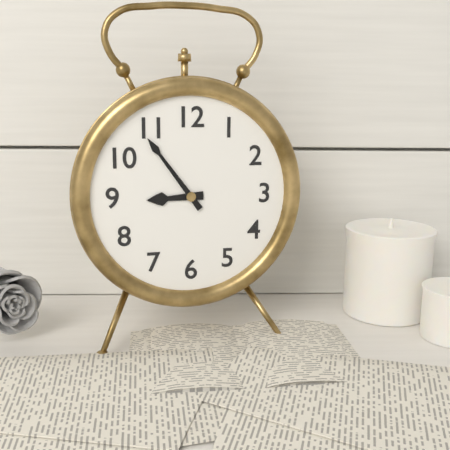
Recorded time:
8 h 54 min
